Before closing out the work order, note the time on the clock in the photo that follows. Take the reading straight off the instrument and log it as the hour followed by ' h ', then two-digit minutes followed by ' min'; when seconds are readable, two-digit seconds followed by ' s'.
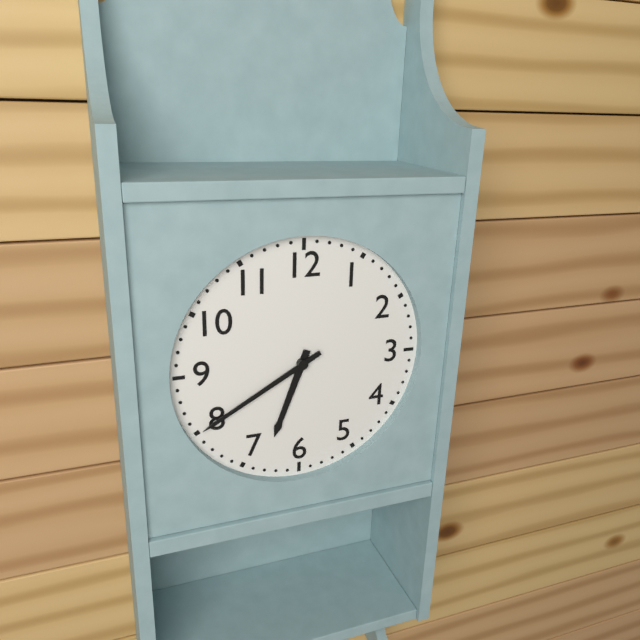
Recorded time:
6 h 40 min
